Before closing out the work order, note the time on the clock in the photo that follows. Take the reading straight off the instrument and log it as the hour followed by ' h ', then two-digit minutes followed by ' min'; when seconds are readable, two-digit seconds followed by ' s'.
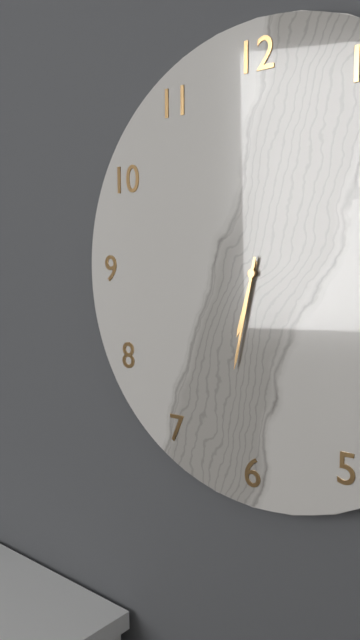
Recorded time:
6 h 32 min
